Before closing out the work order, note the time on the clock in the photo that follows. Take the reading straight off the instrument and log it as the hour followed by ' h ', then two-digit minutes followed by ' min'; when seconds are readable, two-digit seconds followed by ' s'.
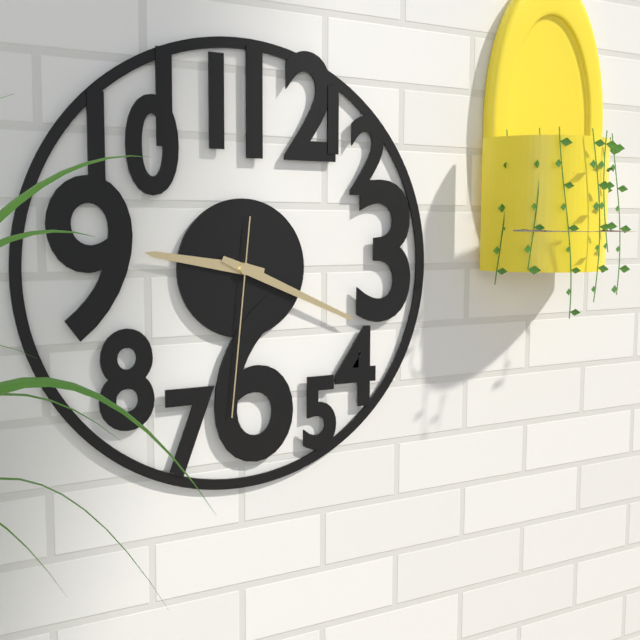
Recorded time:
9 h 19 min 31 s
